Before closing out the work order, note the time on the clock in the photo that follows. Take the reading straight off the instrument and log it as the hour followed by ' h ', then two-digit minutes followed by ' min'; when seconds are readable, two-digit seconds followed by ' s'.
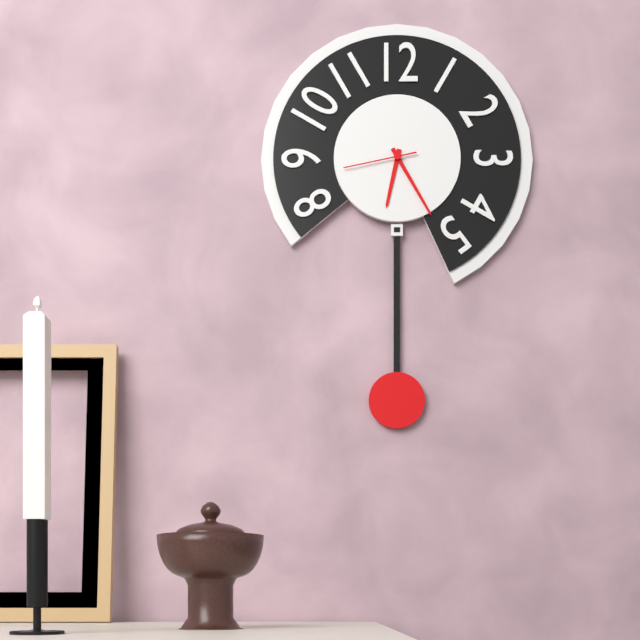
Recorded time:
6 h 25 min 43 s
